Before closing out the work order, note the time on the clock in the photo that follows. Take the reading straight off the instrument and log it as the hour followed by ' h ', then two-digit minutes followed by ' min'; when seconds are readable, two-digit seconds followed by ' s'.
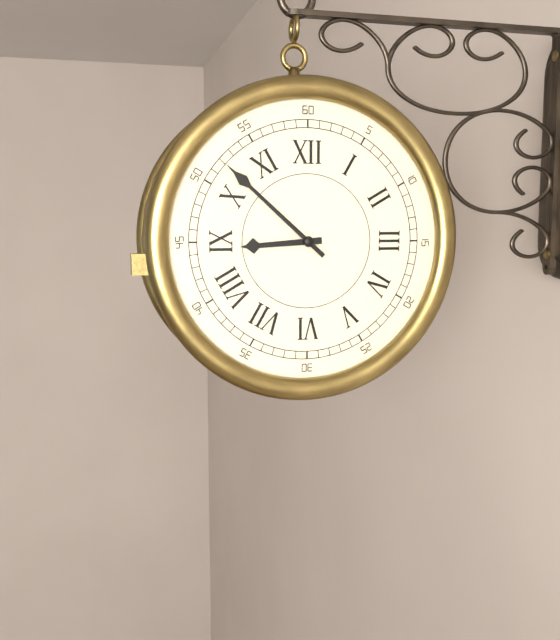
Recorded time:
8 h 52 min
